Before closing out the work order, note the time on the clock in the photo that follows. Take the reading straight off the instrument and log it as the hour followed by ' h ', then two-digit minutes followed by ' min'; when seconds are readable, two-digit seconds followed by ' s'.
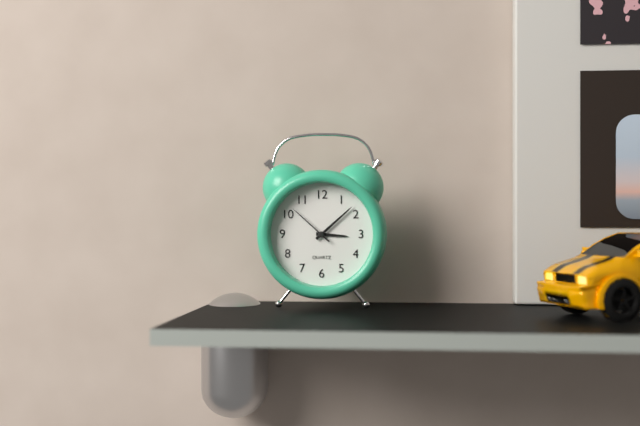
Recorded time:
3 h 08 min
